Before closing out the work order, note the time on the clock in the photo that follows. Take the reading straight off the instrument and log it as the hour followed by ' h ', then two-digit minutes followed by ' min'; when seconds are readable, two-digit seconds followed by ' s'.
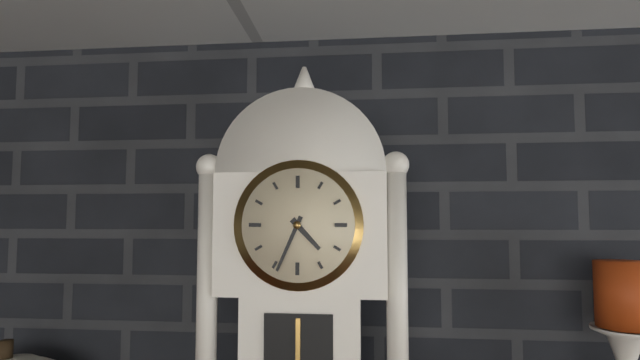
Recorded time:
4 h 34 min
